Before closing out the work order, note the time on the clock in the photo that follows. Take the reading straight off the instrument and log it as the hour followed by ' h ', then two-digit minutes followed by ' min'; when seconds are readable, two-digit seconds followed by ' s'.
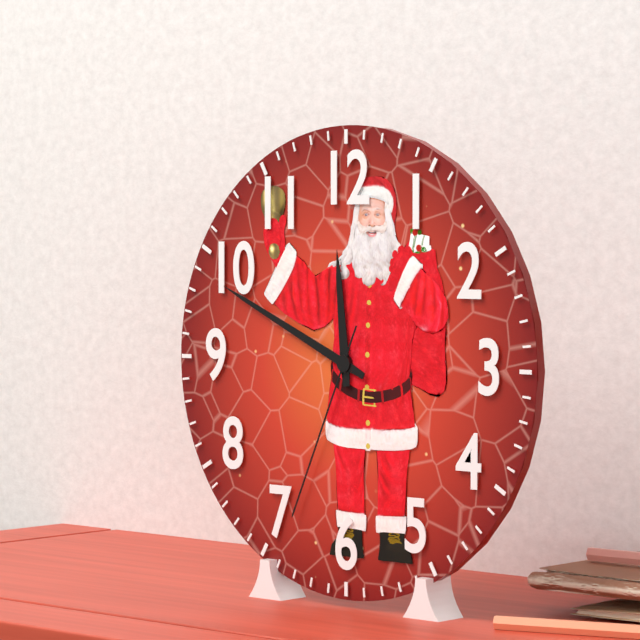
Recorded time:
11 h 49 min 34 s
